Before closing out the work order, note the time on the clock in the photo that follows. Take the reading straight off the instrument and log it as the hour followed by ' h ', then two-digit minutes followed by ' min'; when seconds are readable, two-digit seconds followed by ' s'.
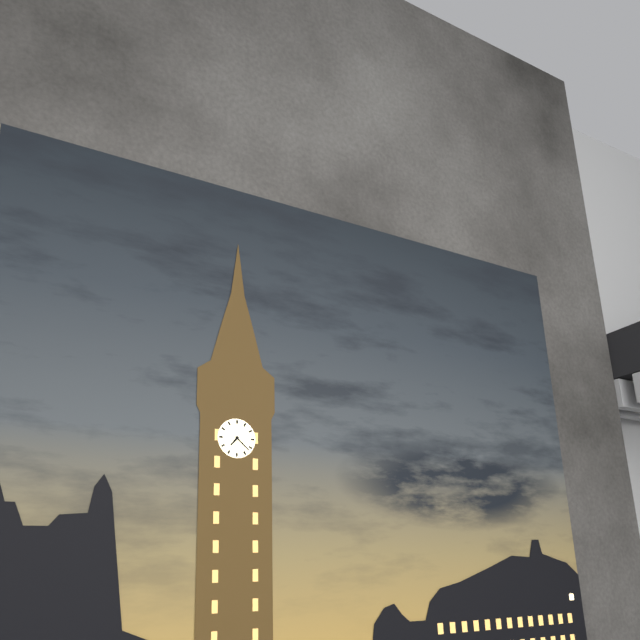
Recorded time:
7 h 22 min
